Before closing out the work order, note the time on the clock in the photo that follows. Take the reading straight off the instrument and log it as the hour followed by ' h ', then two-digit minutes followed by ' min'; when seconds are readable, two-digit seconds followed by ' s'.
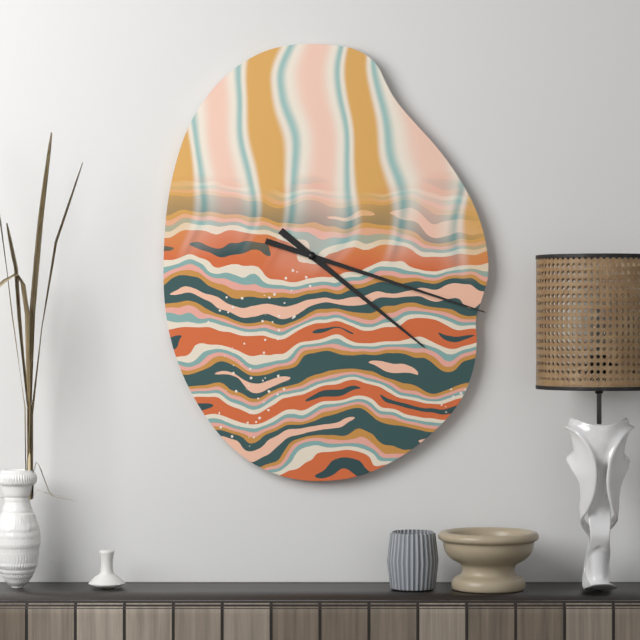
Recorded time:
4 h 18 min
